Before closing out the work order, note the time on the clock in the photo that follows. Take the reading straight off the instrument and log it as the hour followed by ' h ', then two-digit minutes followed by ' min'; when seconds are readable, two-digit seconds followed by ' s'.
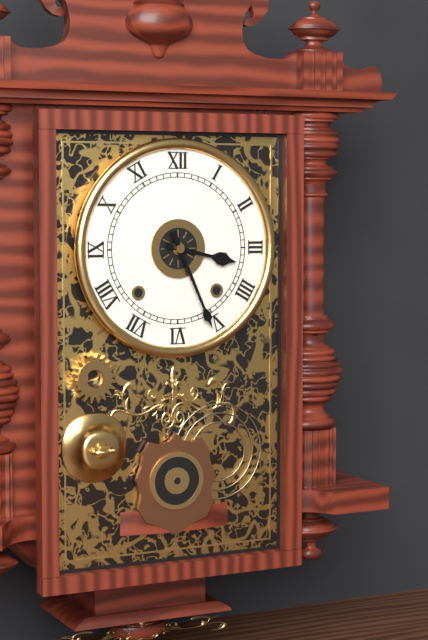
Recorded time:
3 h 26 min
